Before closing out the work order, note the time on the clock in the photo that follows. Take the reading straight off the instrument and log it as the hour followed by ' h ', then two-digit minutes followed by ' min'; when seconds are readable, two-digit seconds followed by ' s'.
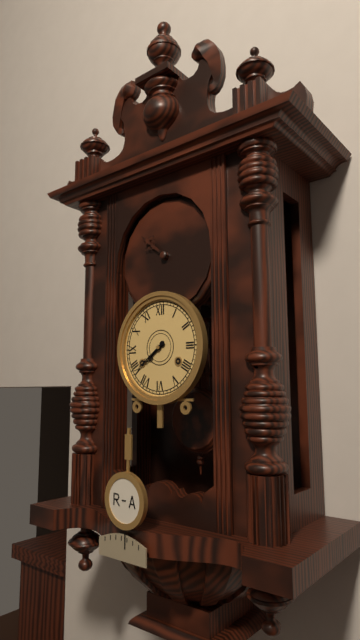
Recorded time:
7 h 39 min
